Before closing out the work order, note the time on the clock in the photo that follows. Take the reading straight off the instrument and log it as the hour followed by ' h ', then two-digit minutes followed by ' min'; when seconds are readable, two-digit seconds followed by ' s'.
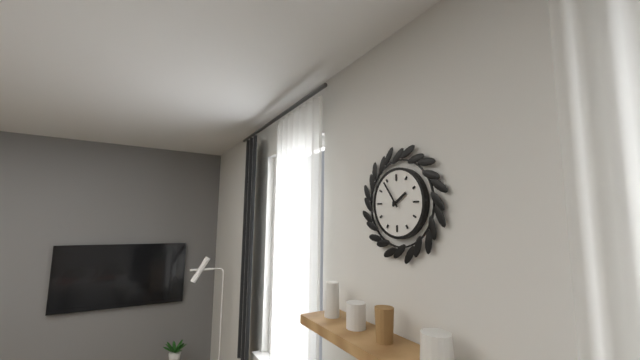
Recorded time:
1 h 54 min
